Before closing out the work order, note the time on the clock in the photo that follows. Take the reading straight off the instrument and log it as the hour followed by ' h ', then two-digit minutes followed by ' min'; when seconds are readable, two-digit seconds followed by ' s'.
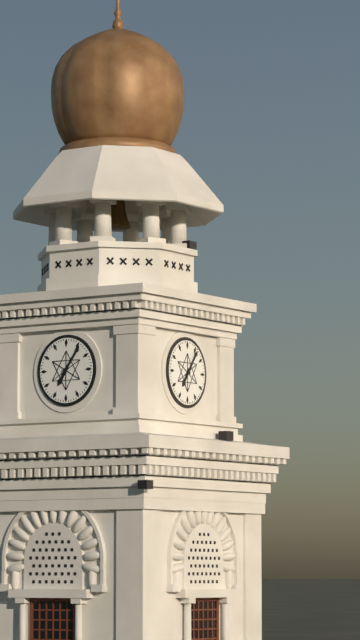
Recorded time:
7 h 06 min
